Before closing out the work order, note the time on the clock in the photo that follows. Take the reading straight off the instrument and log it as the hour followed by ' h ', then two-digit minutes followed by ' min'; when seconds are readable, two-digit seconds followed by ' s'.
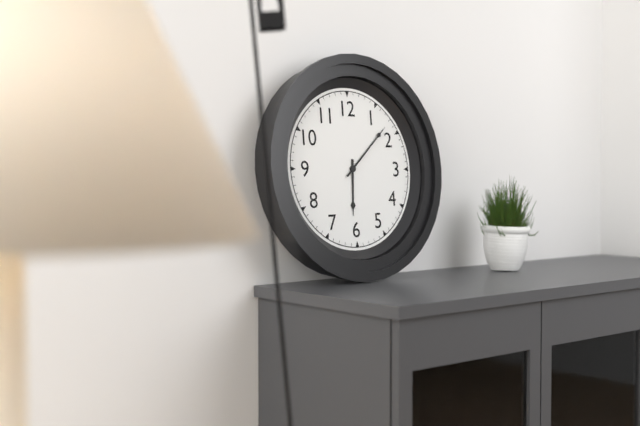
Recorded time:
6 h 08 min
